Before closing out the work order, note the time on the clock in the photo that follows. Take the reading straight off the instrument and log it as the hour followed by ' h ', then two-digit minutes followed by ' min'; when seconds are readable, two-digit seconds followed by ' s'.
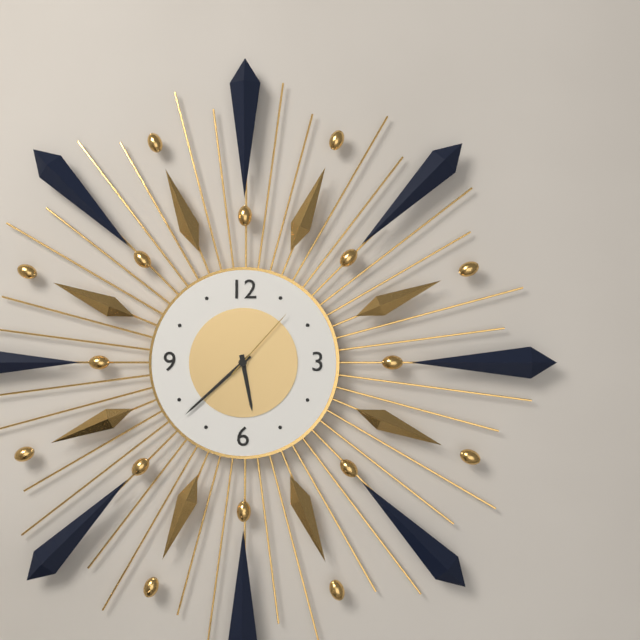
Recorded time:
5 h 38 min 07 s
